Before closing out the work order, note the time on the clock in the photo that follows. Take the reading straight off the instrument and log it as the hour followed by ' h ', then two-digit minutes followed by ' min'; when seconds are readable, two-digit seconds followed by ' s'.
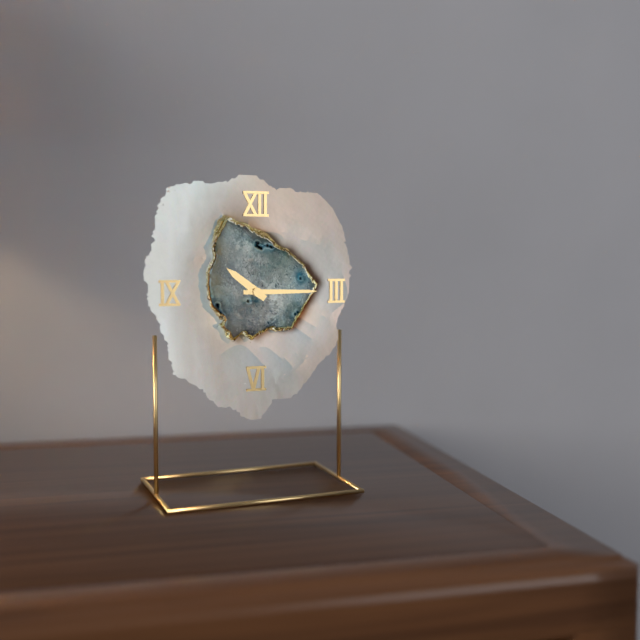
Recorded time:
10 h 15 min
